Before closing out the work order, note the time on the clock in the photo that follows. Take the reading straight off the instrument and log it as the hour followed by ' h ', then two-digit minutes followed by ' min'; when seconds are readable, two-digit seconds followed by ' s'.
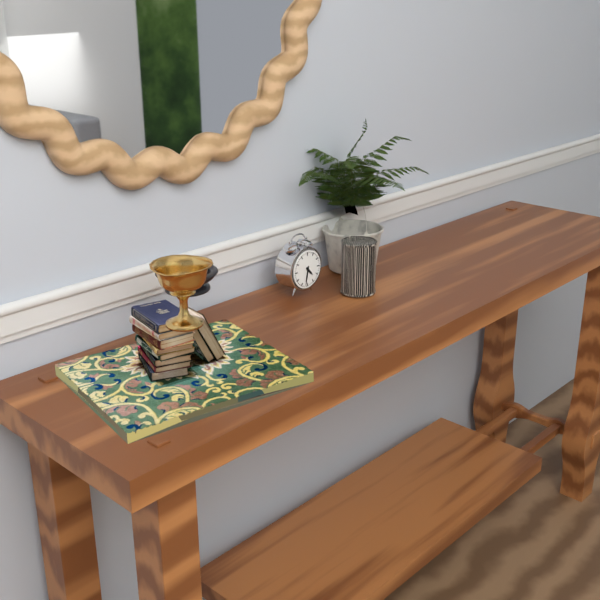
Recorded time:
4 h 32 min
